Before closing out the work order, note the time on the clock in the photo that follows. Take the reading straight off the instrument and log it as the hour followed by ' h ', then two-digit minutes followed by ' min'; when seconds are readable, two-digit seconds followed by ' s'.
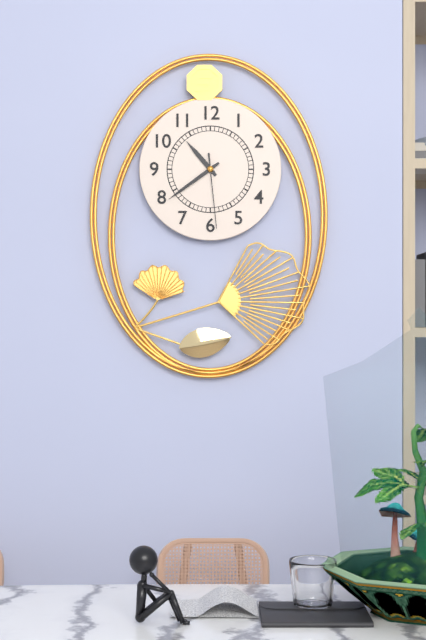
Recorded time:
10 h 39 min 29 s
